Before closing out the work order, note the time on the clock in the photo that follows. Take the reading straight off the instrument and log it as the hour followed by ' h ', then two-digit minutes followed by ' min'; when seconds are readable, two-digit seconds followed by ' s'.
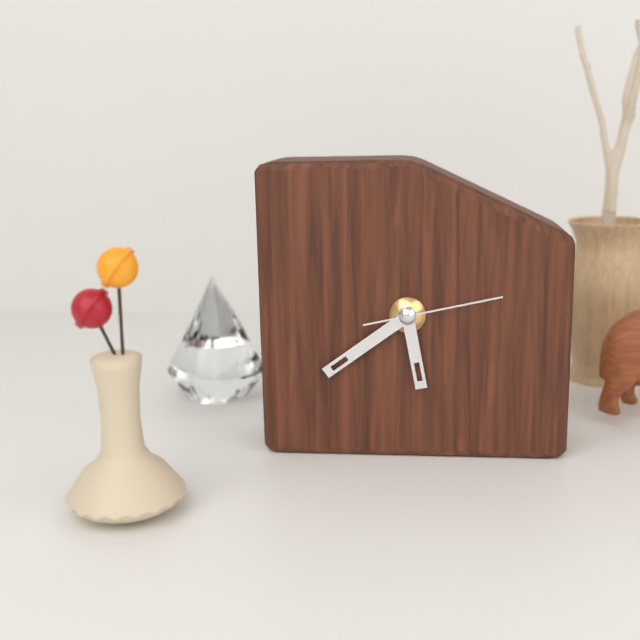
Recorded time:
5 h 39 min 13 s
